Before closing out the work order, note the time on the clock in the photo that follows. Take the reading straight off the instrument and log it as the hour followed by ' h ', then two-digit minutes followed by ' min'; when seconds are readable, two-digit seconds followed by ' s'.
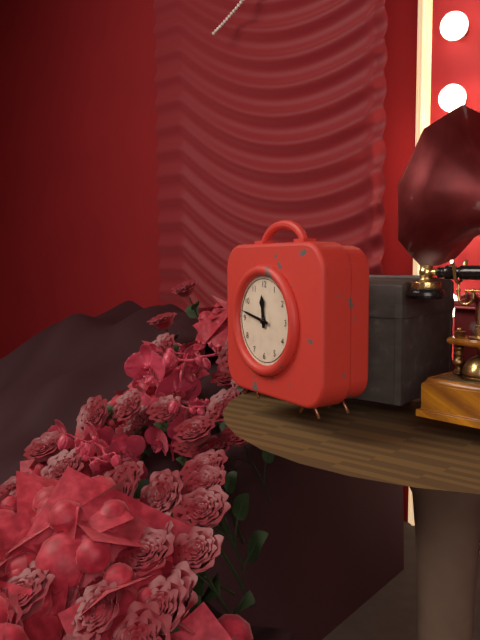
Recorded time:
11 h 47 min
